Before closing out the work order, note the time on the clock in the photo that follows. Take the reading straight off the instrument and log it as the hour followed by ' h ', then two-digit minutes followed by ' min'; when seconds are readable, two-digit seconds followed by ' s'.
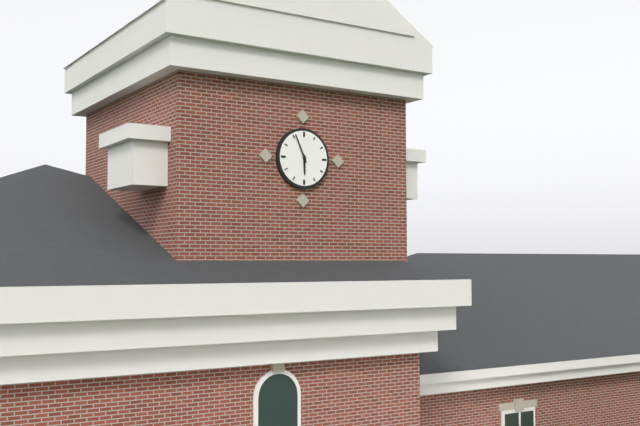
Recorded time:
5 h 56 min
